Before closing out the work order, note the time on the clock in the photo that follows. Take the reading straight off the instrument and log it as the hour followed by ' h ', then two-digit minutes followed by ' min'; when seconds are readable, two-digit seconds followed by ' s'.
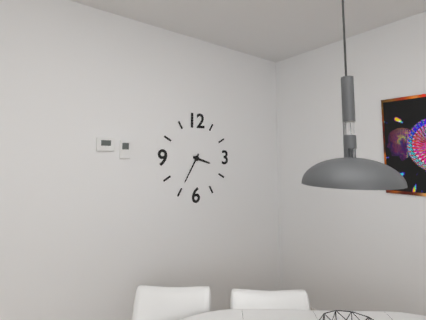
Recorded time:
3 h 35 min
